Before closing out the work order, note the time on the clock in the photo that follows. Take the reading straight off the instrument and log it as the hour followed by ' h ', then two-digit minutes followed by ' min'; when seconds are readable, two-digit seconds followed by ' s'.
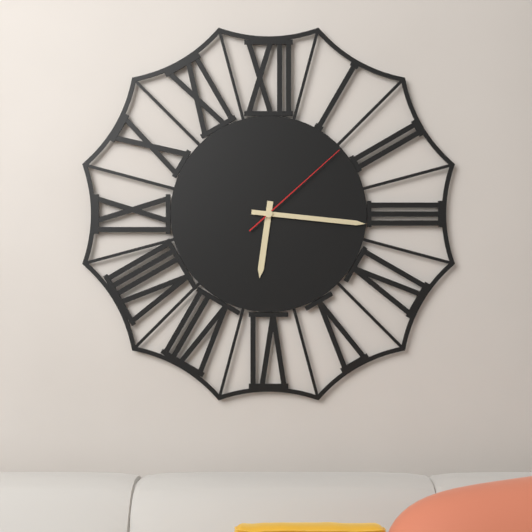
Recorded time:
6 h 16 min 08 s
